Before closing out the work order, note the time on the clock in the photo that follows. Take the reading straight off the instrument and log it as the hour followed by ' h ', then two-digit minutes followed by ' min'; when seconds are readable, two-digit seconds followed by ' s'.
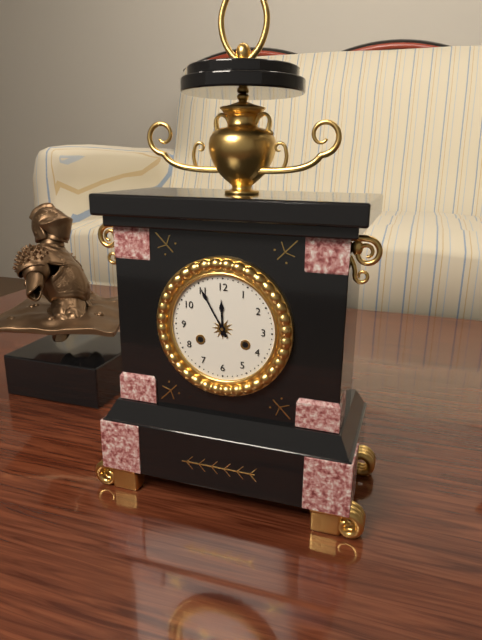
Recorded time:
11 h 55 min
